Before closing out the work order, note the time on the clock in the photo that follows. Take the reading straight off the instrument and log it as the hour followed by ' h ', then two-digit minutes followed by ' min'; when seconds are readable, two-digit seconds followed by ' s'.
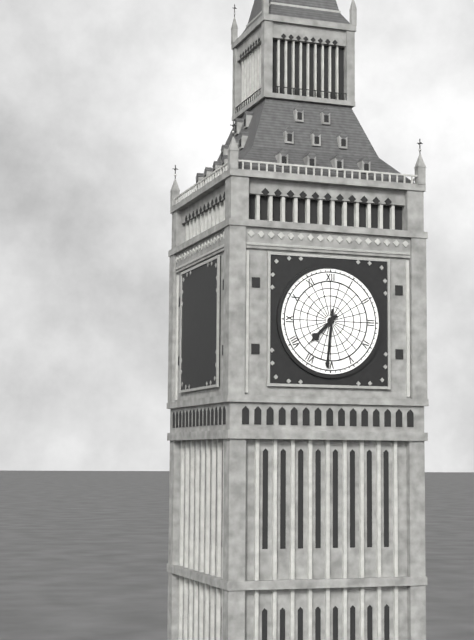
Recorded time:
7 h 31 min
